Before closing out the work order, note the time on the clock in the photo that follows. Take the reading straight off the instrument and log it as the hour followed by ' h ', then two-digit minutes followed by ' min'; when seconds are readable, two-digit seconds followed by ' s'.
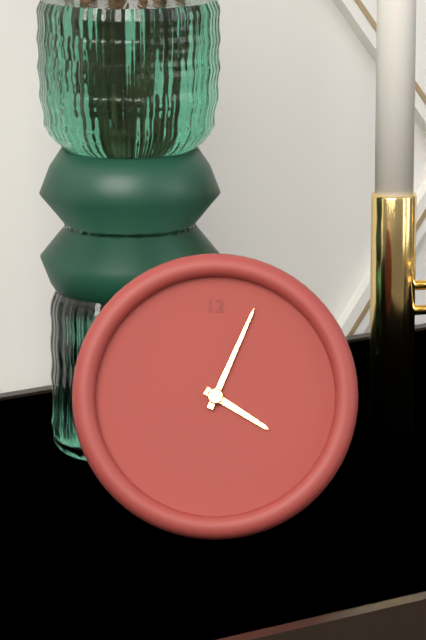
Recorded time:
4 h 04 min
